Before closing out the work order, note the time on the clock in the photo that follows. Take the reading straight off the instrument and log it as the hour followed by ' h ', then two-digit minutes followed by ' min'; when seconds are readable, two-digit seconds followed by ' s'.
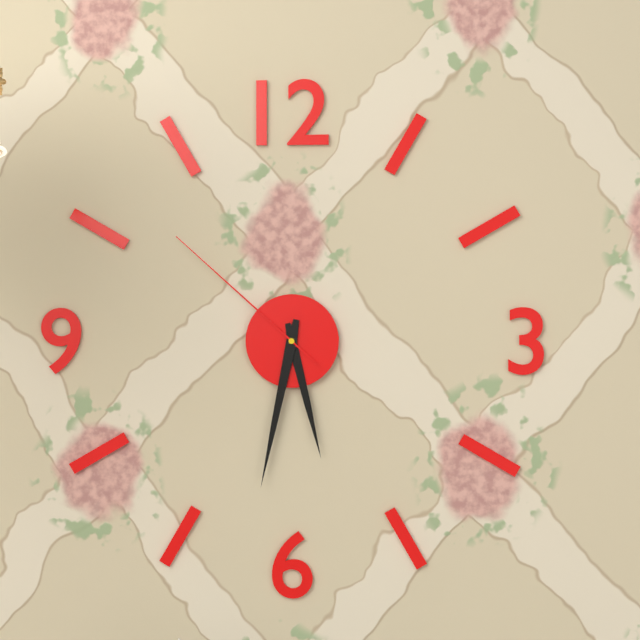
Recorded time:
5 h 32 min 52 s
